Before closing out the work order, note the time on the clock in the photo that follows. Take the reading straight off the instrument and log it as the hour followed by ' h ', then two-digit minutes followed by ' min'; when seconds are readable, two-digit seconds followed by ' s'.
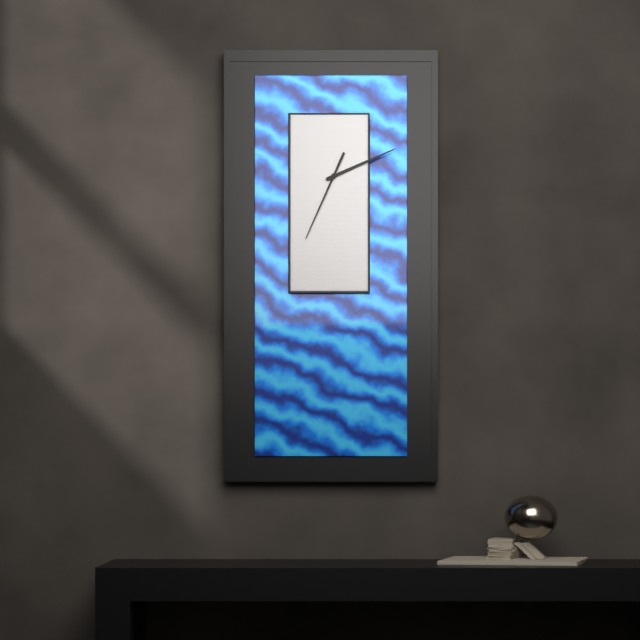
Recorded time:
2 h 11 min 34 s
